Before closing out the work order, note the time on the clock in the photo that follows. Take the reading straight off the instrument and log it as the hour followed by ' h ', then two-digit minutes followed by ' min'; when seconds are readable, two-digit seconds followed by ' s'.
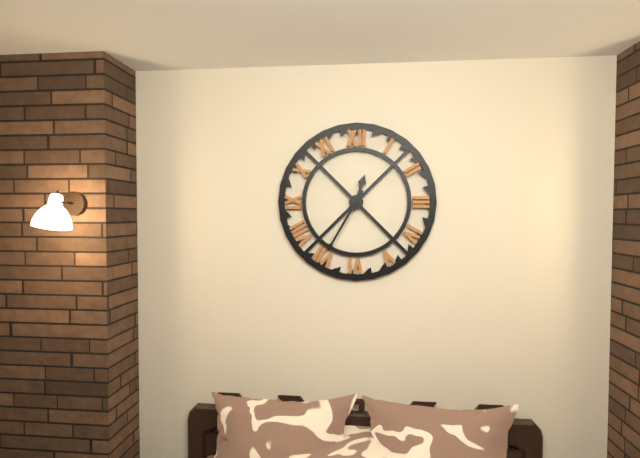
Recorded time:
12 h 35 min
